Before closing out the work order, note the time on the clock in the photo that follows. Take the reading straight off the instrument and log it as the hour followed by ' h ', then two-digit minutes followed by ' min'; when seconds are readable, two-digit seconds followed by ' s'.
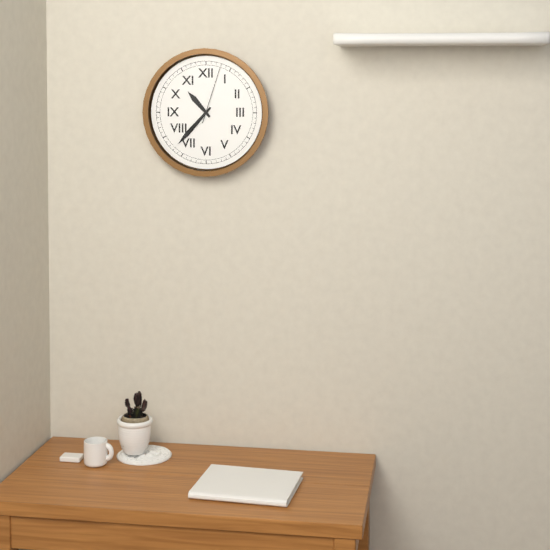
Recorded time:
10 h 37 min 03 s
